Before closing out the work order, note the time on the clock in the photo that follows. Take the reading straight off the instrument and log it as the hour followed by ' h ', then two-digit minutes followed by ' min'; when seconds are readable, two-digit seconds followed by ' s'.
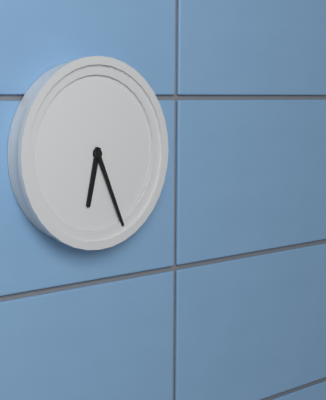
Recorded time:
6 h 26 min
